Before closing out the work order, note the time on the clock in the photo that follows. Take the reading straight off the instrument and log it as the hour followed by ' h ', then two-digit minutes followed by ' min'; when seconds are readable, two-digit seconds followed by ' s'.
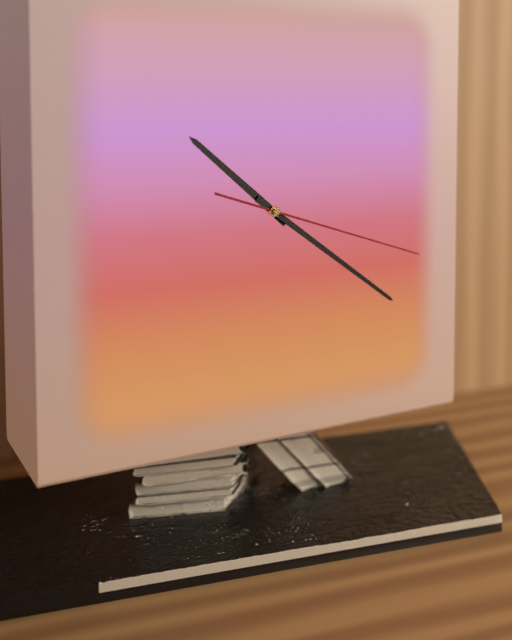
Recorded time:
10 h 21 min 18 s
